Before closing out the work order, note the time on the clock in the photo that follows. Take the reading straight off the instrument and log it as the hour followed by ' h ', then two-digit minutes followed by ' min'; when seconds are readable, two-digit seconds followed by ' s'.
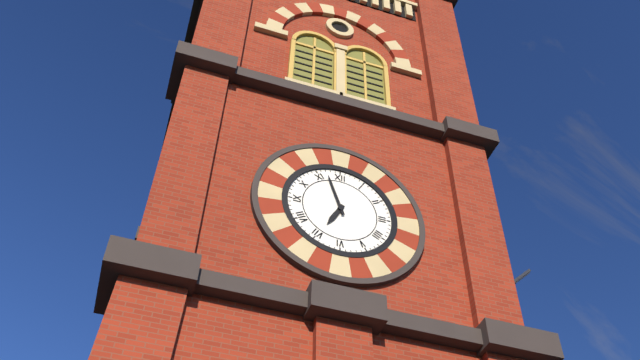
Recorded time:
6 h 57 min
